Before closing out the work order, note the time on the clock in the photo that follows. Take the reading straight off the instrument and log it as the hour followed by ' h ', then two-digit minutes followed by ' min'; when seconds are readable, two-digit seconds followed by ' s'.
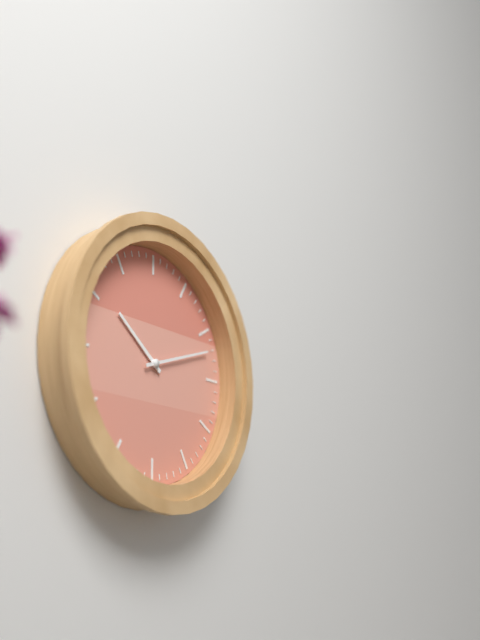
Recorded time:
10 h 12 min
